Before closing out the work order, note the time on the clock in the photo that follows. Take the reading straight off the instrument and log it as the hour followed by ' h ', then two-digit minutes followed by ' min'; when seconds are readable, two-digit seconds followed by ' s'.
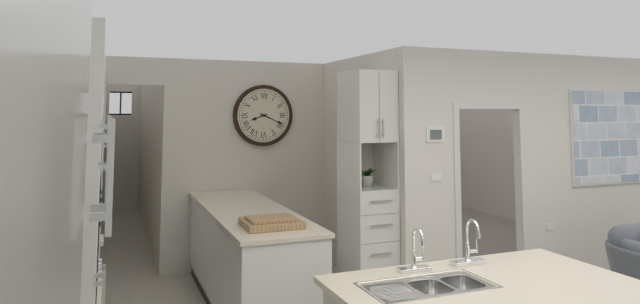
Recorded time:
8 h 19 min
